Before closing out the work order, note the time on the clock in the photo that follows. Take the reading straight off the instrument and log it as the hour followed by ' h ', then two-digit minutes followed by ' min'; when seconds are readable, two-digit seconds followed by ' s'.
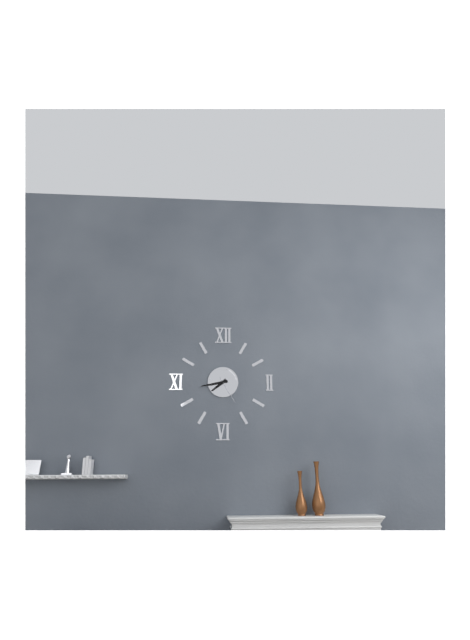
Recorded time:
7 h 43 min
